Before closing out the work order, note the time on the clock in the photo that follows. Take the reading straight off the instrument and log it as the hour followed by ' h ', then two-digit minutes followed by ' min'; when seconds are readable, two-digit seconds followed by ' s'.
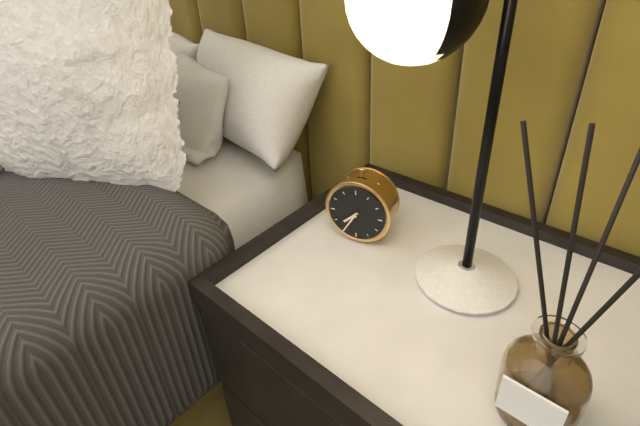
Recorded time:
7 h 35 min
